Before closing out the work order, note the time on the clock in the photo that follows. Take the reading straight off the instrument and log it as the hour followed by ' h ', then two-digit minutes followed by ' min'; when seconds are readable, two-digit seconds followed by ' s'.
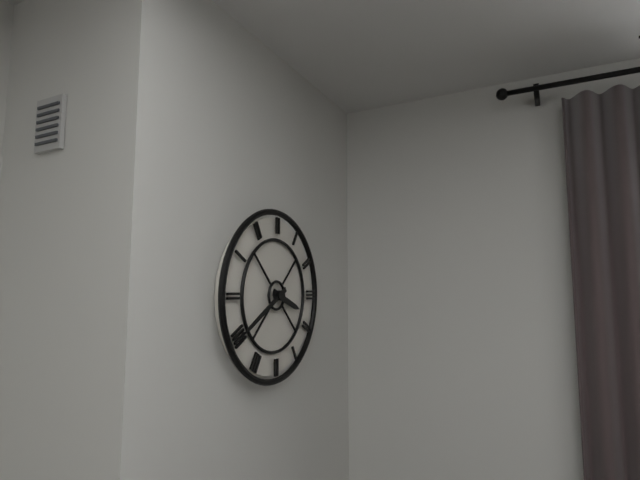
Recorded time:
3 h 40 min
